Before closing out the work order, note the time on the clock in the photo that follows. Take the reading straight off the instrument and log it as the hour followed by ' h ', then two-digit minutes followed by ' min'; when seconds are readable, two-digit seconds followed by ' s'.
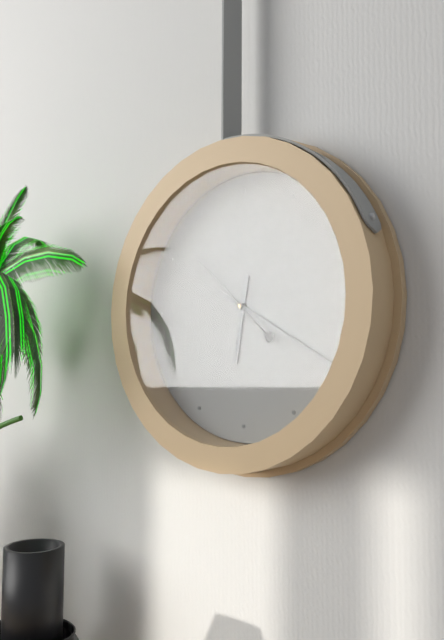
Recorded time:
6 h 20 min 52 s
